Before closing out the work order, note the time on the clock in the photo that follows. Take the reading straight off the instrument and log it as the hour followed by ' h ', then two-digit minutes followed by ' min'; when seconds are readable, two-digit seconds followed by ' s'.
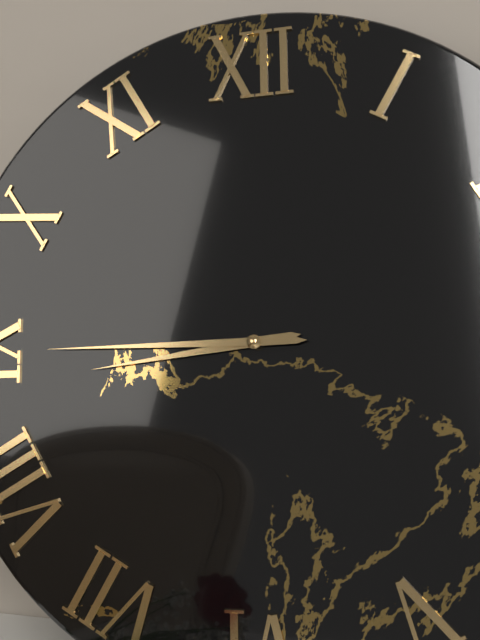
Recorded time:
8 h 45 min
